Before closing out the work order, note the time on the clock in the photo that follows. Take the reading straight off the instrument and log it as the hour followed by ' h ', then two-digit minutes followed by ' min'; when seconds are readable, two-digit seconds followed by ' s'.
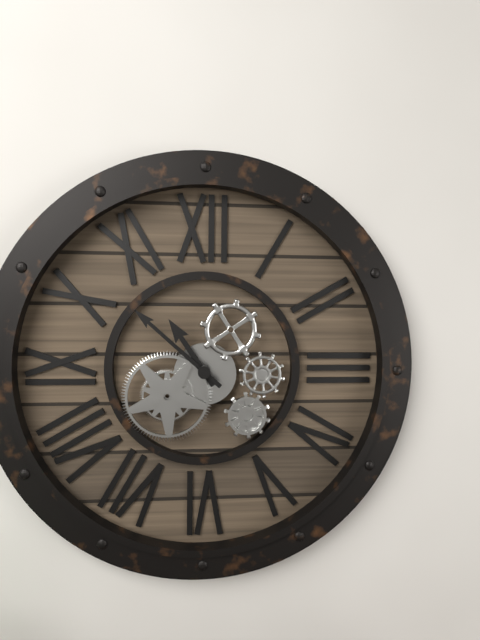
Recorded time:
10 h 52 min
